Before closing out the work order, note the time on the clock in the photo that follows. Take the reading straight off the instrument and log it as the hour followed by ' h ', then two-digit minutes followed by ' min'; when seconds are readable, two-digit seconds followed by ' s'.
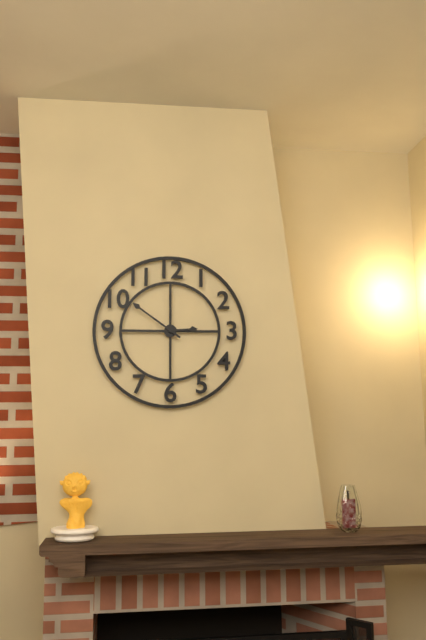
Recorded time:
2 h 51 min
